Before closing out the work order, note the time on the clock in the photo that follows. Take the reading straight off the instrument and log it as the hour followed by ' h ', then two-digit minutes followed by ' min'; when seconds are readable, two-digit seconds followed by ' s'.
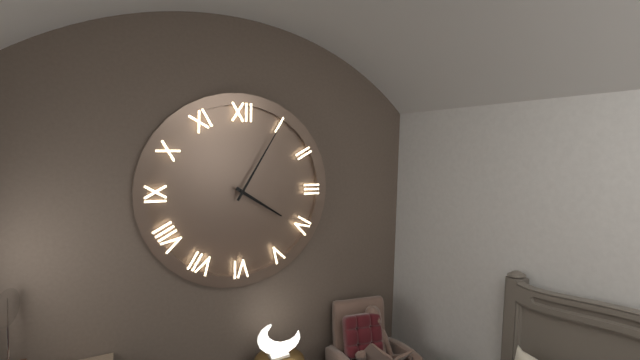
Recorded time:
4 h 05 min
